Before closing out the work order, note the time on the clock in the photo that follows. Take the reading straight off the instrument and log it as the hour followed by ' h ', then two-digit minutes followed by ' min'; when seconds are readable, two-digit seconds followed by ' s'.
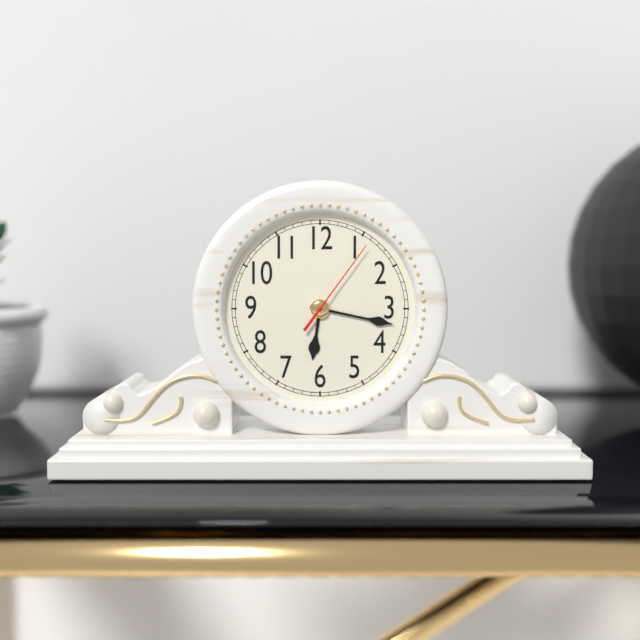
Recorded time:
6 h 17 min 06 s
